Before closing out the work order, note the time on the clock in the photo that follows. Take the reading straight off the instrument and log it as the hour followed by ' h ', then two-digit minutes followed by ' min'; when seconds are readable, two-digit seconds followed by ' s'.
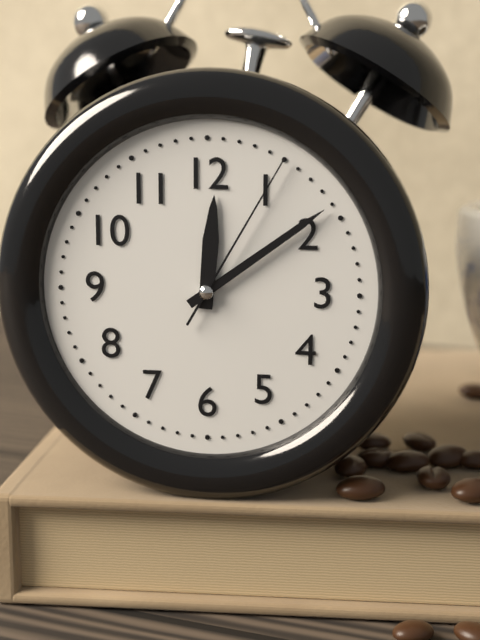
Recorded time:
12 h 09 min 05 s
